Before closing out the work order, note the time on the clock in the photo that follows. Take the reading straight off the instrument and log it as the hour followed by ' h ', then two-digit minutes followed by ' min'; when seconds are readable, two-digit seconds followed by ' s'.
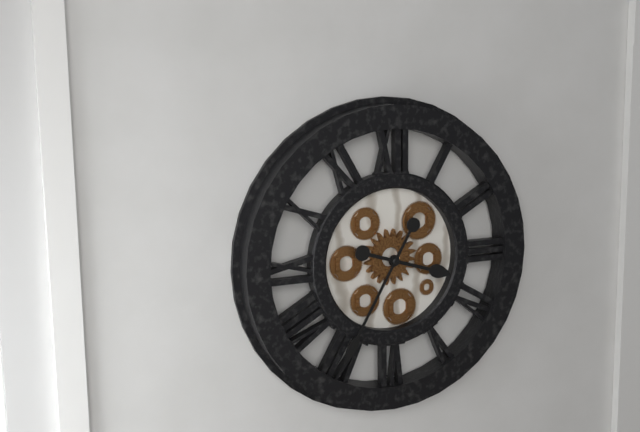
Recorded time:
3 h 35 min
